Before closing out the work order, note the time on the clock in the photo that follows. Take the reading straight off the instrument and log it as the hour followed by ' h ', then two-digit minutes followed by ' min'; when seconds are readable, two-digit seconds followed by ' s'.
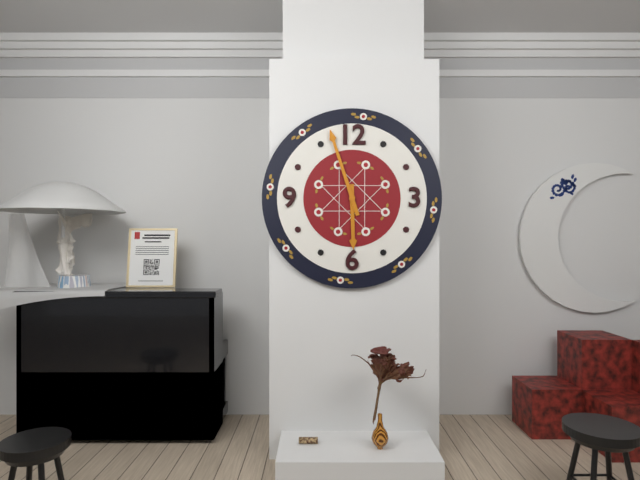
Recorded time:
5 h 57 min
